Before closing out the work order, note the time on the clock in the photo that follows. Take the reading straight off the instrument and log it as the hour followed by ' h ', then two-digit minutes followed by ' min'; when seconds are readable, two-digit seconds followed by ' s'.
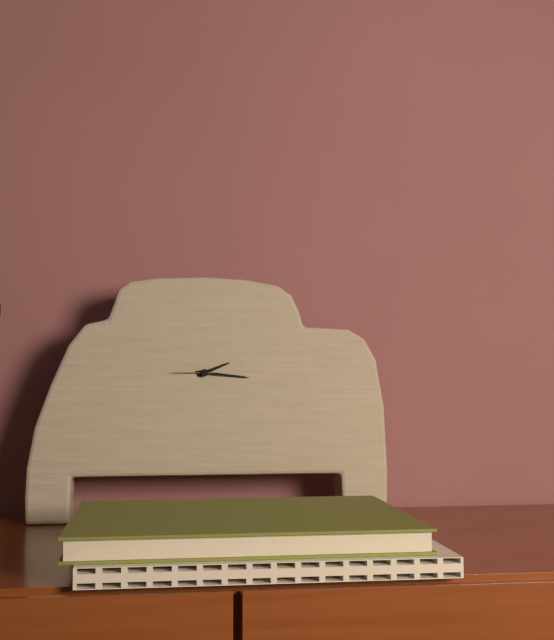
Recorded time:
2 h 16 min
